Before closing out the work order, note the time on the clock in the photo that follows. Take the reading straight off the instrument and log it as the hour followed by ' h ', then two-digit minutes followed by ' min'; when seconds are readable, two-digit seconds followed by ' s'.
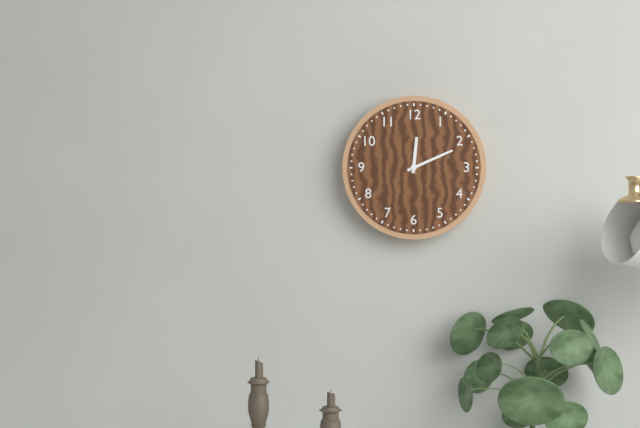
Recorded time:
12 h 11 min
